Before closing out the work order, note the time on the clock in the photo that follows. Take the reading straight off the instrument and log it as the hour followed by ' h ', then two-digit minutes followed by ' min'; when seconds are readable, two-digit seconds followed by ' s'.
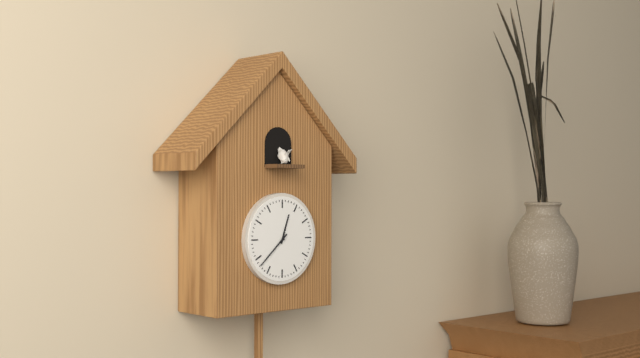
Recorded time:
12 h 38 min
